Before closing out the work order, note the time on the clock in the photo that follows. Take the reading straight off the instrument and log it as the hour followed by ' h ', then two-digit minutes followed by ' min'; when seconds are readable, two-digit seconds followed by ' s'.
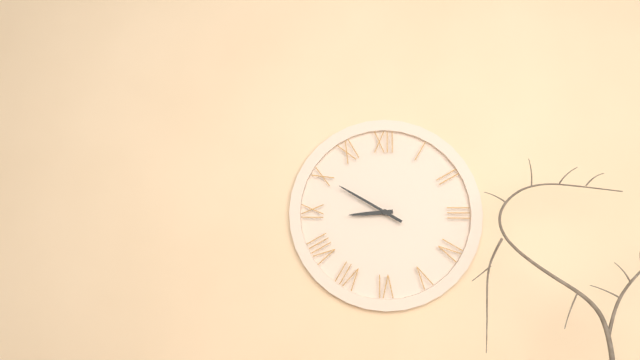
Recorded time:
8 h 50 min
